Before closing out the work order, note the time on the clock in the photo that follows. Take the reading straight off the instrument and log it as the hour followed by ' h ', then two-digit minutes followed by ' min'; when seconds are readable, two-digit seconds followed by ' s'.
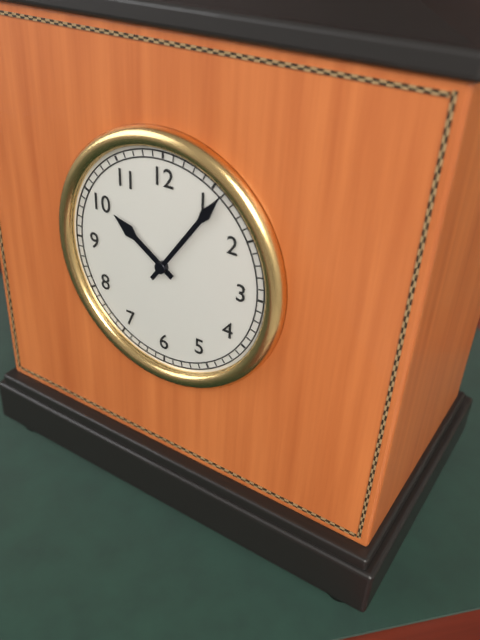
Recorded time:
10 h 06 min
